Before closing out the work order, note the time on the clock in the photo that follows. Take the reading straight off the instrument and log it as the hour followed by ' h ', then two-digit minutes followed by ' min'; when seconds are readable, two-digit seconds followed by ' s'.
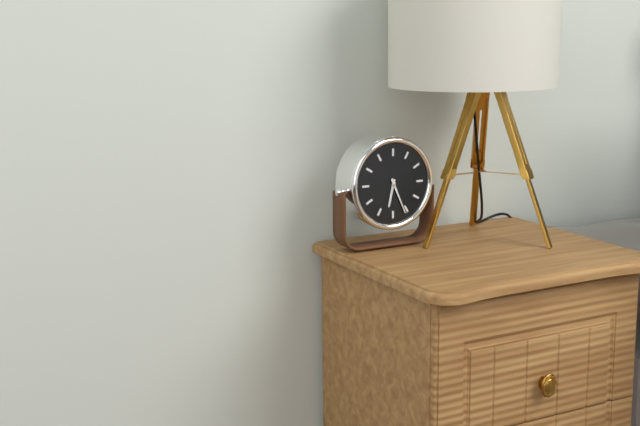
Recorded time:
6 h 26 min
